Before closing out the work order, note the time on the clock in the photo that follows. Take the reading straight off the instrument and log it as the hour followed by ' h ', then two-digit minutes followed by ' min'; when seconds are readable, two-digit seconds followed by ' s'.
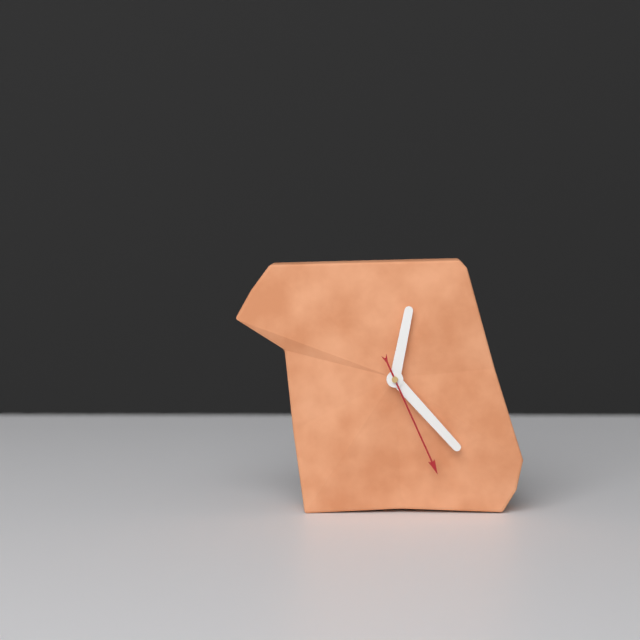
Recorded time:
12 h 23 min 26 s
